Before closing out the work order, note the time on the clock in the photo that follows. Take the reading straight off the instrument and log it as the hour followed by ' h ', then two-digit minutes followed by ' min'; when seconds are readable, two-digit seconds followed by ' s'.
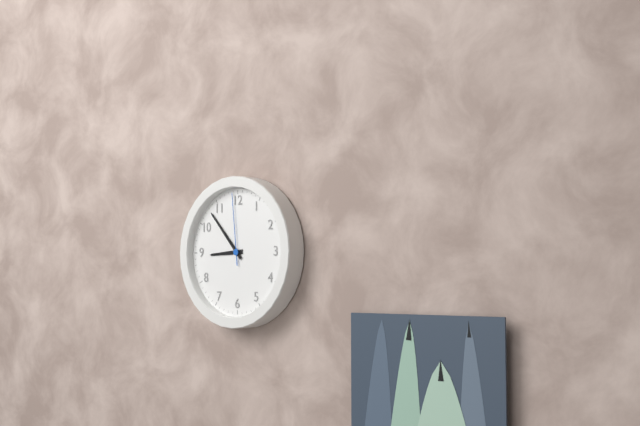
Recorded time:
8 h 53 min 59 s
